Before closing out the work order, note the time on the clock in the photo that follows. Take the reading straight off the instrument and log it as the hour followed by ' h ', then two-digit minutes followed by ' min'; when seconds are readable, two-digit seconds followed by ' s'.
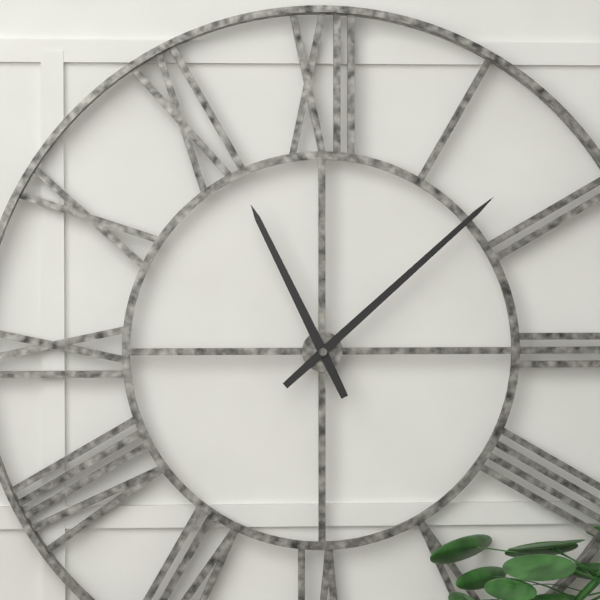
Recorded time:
11 h 08 min
